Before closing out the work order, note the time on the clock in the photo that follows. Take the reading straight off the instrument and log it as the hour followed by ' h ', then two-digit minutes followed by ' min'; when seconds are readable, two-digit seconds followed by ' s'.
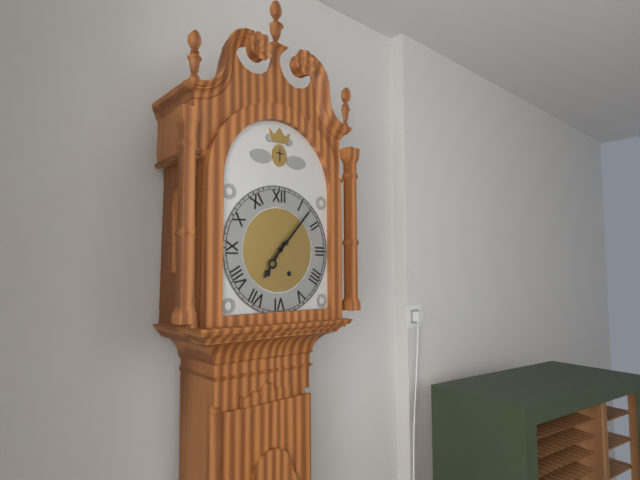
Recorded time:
7 h 07 min
